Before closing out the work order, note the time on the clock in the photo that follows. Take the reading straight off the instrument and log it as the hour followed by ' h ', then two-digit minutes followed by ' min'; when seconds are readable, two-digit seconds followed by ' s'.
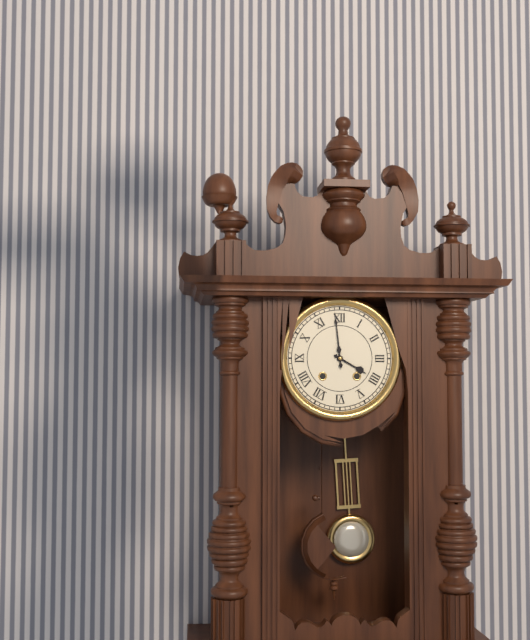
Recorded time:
3 h 59 min
